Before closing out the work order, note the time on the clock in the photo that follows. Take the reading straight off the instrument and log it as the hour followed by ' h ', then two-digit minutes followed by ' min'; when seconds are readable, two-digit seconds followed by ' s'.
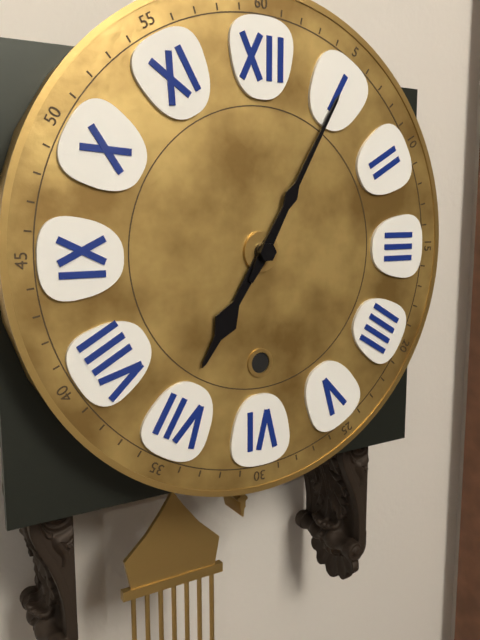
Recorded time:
7 h 05 min
